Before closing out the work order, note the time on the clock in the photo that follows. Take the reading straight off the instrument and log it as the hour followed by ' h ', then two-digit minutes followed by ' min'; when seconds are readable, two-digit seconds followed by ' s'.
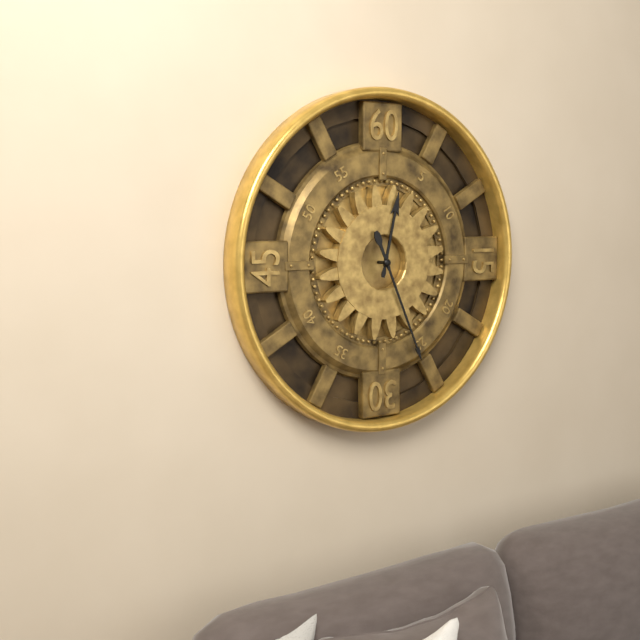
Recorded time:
12 h 26 min
